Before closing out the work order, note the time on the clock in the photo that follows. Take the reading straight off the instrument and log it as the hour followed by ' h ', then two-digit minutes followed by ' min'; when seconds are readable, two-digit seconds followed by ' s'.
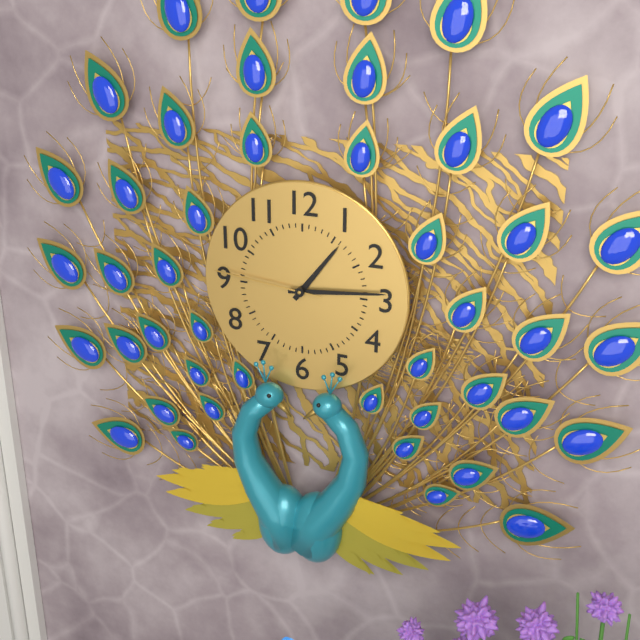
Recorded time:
1 h 14 min 46 s
